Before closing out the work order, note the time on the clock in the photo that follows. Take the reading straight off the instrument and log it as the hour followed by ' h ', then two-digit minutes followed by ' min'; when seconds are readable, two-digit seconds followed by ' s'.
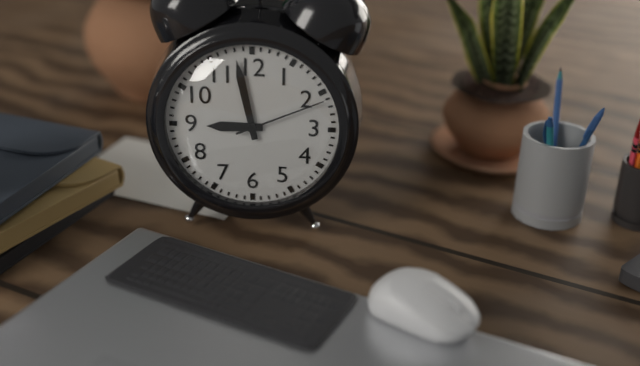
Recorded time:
8 h 58 min 11 s
